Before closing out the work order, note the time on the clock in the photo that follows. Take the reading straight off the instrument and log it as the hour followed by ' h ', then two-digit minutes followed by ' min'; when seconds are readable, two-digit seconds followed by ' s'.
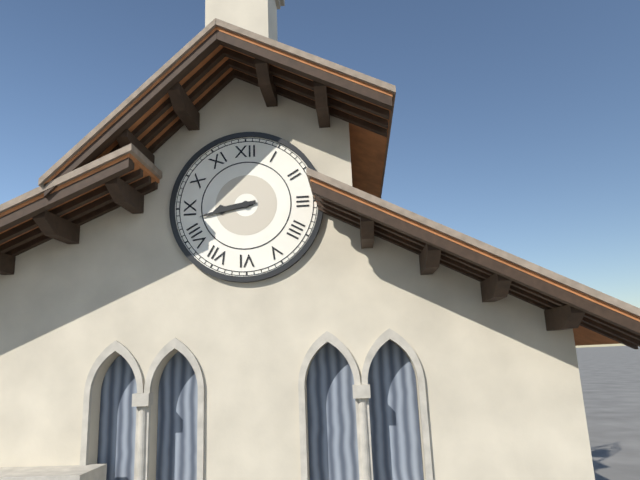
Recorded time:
8 h 43 min
